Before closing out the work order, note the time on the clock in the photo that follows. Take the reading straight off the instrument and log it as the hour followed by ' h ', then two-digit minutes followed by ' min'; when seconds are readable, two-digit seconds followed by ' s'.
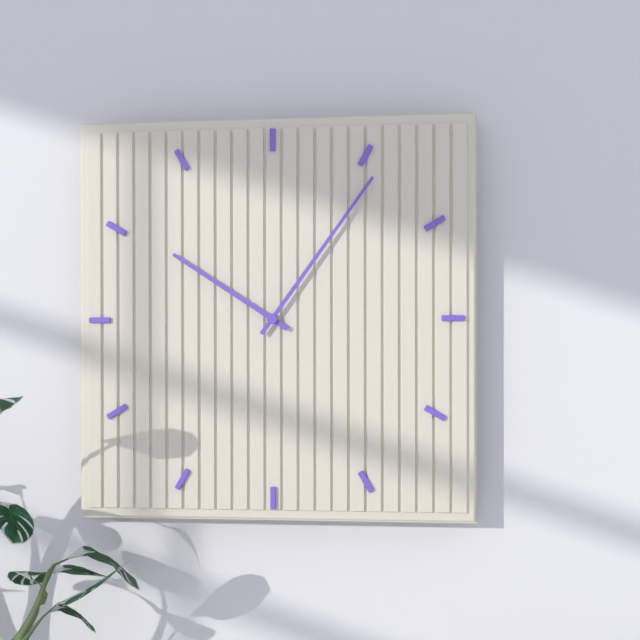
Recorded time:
10 h 06 min
